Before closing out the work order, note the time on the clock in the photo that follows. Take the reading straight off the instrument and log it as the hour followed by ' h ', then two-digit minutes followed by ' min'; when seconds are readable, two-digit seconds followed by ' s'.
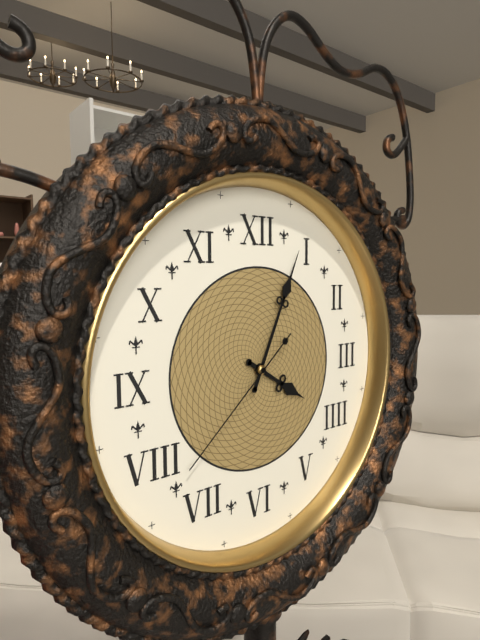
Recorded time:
4 h 04 min 38 s
